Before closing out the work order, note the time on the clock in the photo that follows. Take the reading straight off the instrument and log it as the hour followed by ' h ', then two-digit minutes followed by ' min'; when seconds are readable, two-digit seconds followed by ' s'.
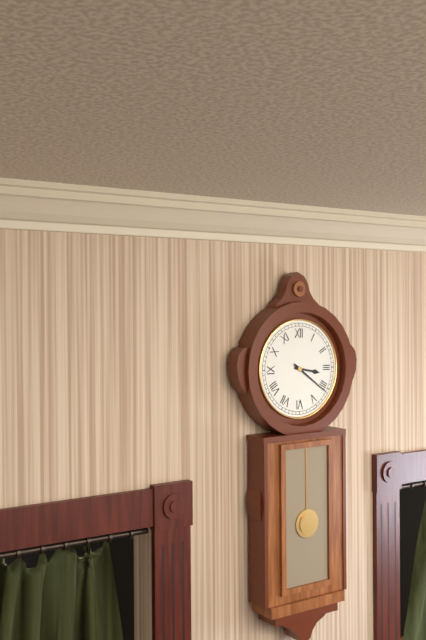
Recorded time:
3 h 21 min
